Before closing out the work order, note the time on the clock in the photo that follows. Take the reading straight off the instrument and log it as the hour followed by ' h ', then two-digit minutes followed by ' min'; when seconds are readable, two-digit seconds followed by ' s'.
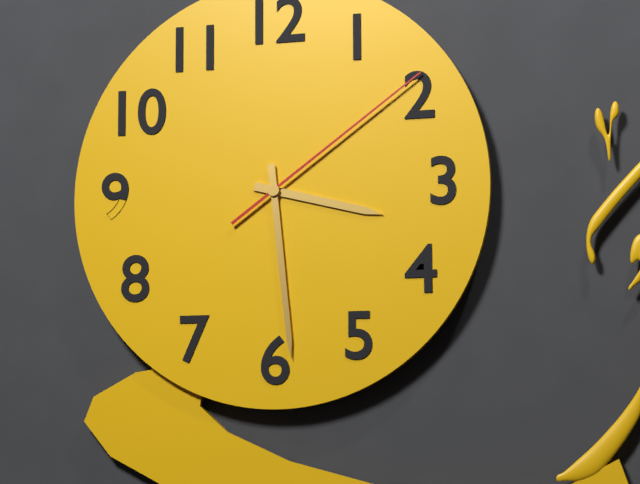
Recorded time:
3 h 29 min 09 s
